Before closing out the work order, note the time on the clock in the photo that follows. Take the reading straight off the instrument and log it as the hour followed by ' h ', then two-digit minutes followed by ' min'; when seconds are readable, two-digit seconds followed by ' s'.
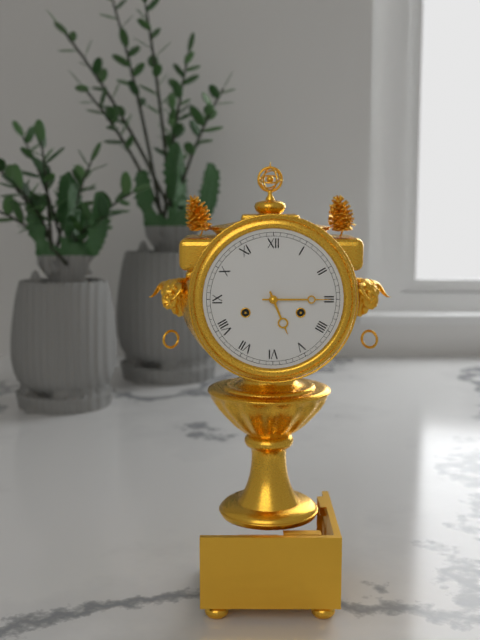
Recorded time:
5 h 15 min
